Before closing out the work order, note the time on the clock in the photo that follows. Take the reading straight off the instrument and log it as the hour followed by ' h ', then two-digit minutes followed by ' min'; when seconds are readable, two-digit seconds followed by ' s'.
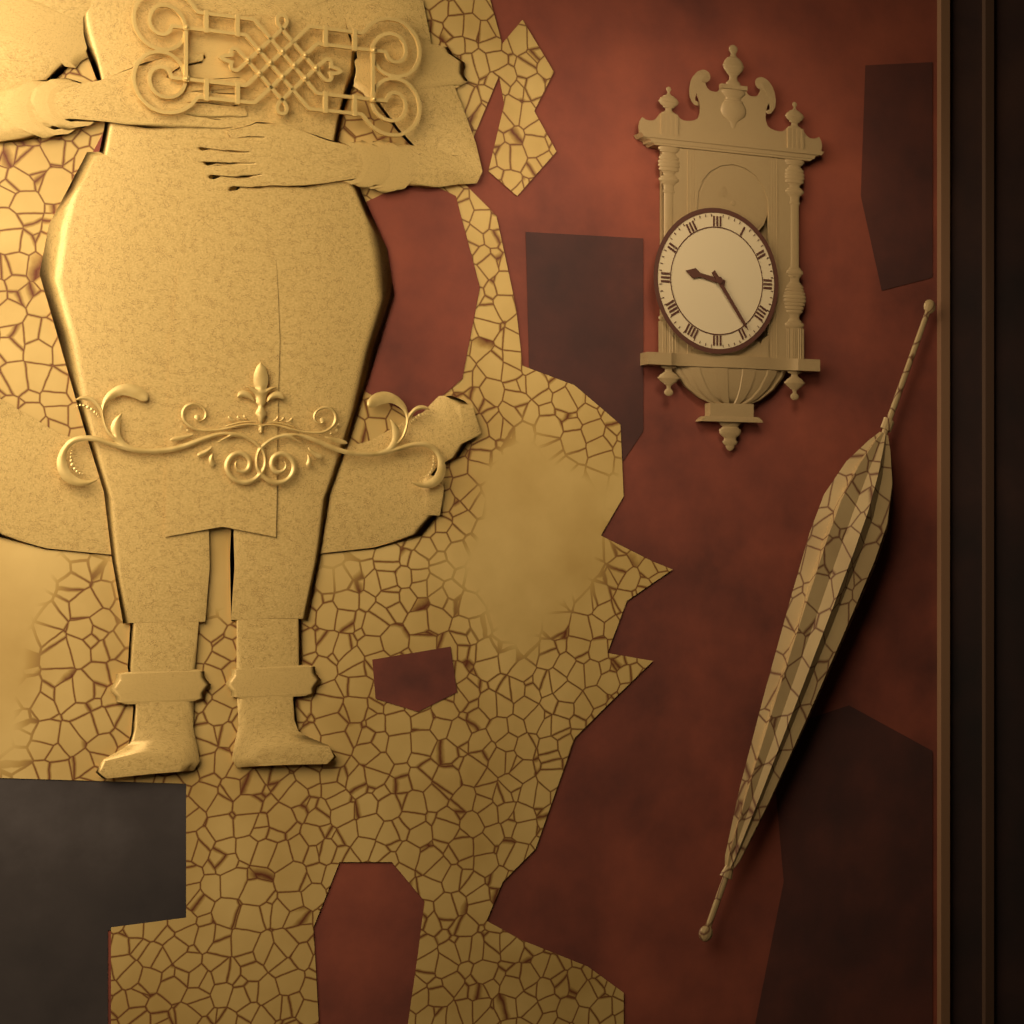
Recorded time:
9 h 24 min
